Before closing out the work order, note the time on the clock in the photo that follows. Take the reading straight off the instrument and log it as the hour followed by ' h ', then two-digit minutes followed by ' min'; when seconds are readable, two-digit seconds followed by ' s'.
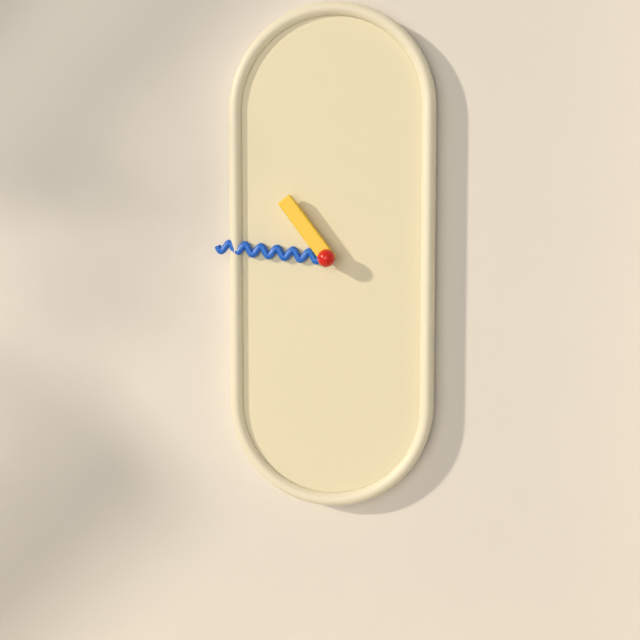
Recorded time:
10 h 46 min
